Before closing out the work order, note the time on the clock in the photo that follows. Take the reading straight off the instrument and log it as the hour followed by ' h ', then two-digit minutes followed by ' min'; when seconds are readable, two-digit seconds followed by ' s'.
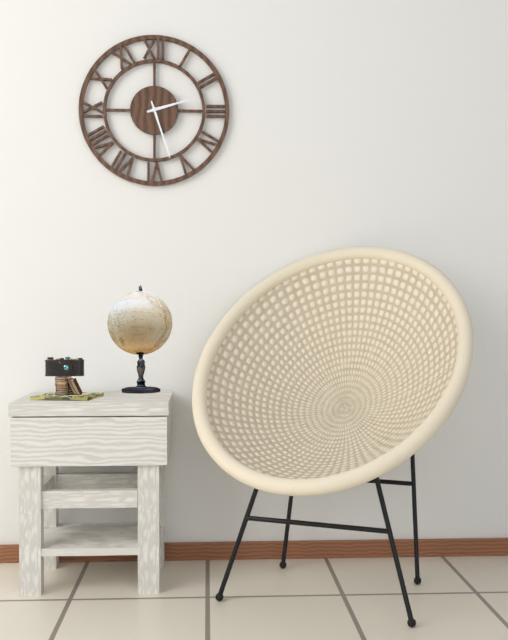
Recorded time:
2 h 27 min
